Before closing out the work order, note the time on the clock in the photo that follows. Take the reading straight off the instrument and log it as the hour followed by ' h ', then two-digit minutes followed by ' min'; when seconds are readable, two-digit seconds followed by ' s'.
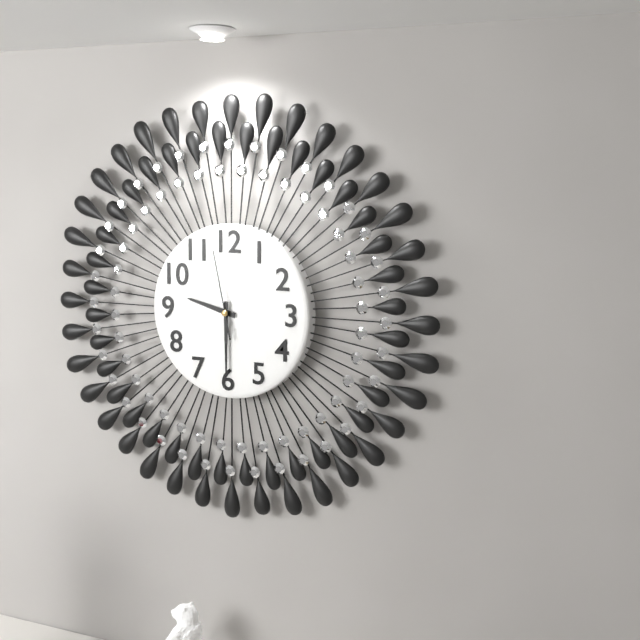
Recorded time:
9 h 30 min 58 s
